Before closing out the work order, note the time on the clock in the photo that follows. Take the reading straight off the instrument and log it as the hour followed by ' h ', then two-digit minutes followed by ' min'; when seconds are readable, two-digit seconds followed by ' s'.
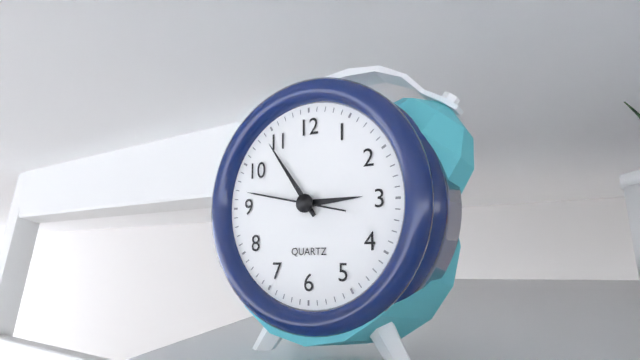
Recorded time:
2 h 54 min 47 s
